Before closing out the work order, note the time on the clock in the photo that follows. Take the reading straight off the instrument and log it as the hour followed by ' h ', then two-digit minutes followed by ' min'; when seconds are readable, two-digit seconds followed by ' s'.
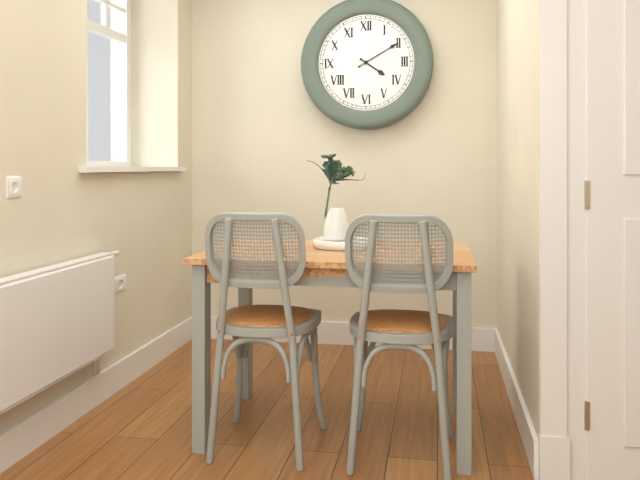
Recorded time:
4 h 10 min
